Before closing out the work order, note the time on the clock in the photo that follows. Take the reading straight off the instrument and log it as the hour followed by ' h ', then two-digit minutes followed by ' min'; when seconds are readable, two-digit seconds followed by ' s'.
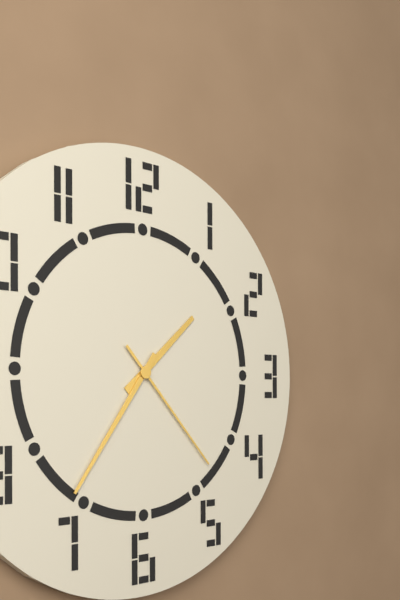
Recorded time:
1 h 36 min 23 s
